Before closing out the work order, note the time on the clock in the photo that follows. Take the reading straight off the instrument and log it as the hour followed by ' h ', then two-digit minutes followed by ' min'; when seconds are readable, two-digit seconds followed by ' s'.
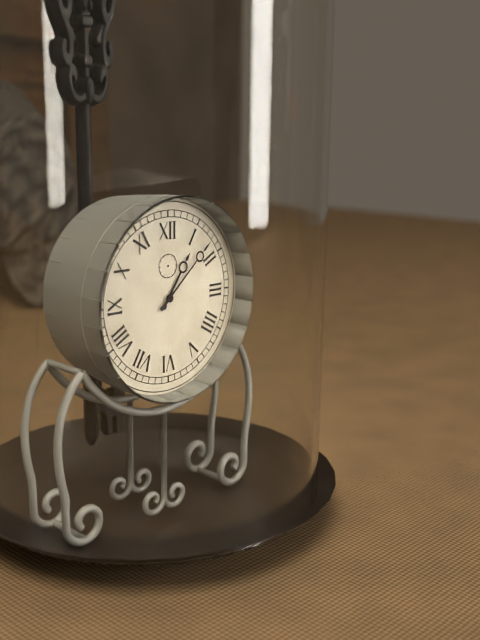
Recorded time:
1 h 08 min
